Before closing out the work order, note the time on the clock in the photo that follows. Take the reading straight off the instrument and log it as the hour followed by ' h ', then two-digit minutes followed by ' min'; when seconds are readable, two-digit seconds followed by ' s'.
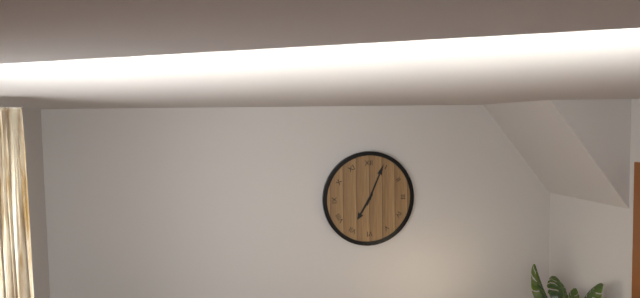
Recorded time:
7 h 04 min
